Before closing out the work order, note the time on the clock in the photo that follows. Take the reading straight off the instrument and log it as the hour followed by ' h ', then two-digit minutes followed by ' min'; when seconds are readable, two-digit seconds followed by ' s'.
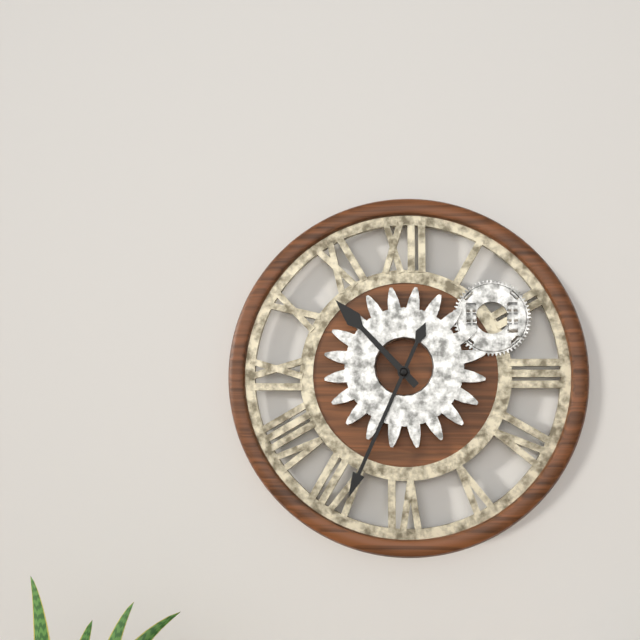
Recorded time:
10 h 34 min
